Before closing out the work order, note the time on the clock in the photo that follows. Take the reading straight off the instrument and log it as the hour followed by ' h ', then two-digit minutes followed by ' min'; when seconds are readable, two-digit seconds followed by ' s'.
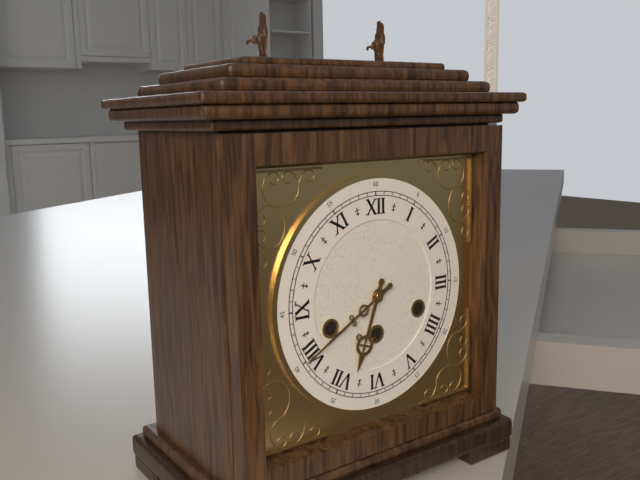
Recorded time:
6 h 40 min
